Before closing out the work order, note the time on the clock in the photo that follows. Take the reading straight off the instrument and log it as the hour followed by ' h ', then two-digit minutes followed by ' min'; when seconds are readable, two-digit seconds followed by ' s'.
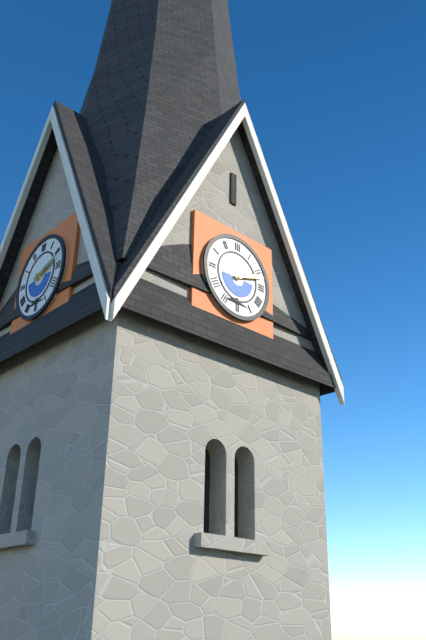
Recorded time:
2 h 12 min
